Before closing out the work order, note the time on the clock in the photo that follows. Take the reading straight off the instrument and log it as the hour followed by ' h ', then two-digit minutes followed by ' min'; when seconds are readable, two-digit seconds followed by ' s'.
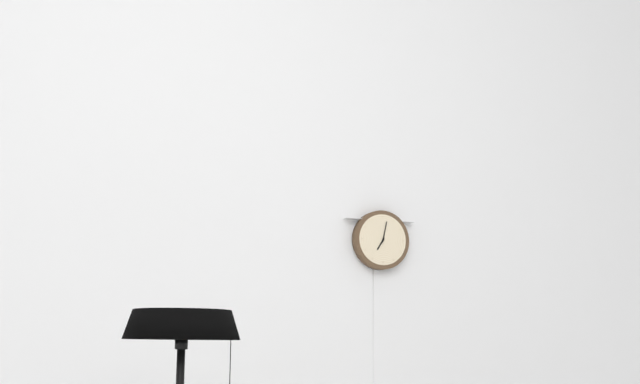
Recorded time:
7 h 02 min
